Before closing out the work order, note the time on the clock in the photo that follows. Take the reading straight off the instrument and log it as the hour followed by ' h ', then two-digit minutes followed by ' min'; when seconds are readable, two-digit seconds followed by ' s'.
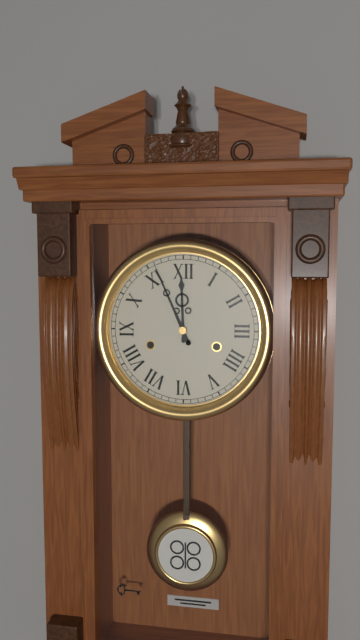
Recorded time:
11 h 56 min
